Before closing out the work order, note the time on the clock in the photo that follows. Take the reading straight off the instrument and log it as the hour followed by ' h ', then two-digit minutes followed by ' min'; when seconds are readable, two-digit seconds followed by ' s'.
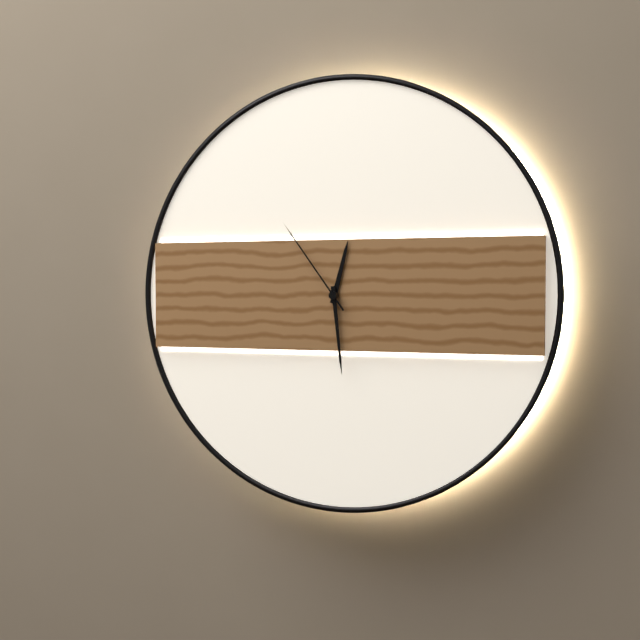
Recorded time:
12 h 29 min 54 s
